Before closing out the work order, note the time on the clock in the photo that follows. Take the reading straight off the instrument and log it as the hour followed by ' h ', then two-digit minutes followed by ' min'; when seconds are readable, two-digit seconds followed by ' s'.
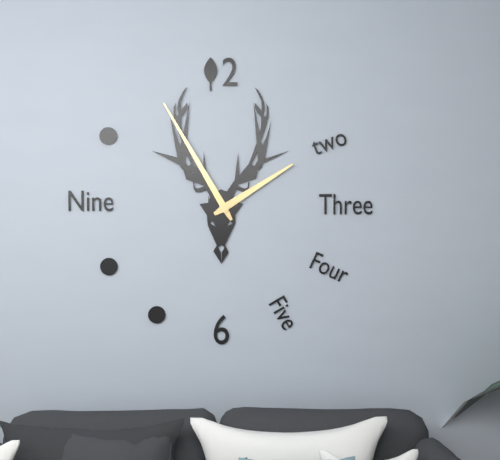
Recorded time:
1 h 55 min
